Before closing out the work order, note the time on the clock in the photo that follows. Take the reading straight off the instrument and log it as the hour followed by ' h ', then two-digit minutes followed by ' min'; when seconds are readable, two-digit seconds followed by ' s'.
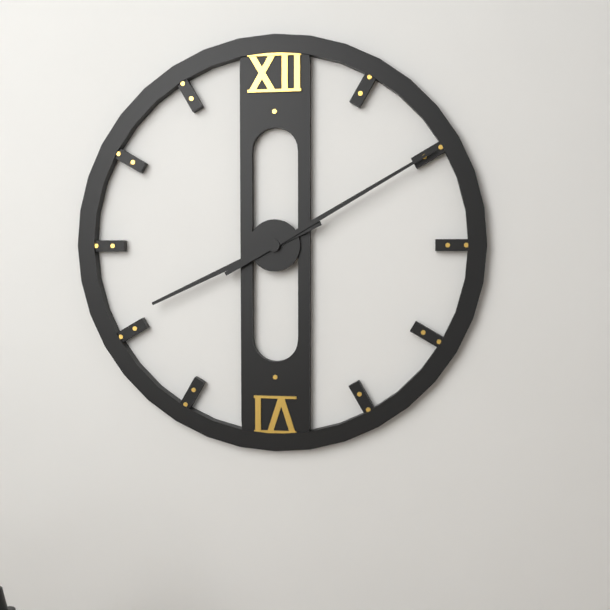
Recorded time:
8 h 10 min
